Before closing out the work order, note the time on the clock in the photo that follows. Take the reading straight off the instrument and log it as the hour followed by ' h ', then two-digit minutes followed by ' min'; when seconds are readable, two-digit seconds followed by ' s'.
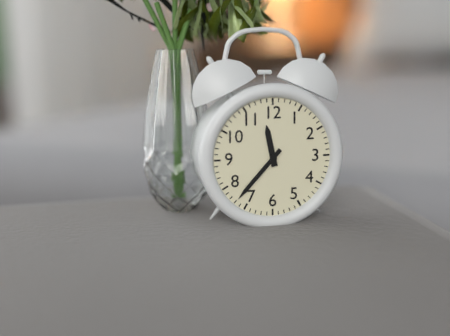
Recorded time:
11 h 37 min
